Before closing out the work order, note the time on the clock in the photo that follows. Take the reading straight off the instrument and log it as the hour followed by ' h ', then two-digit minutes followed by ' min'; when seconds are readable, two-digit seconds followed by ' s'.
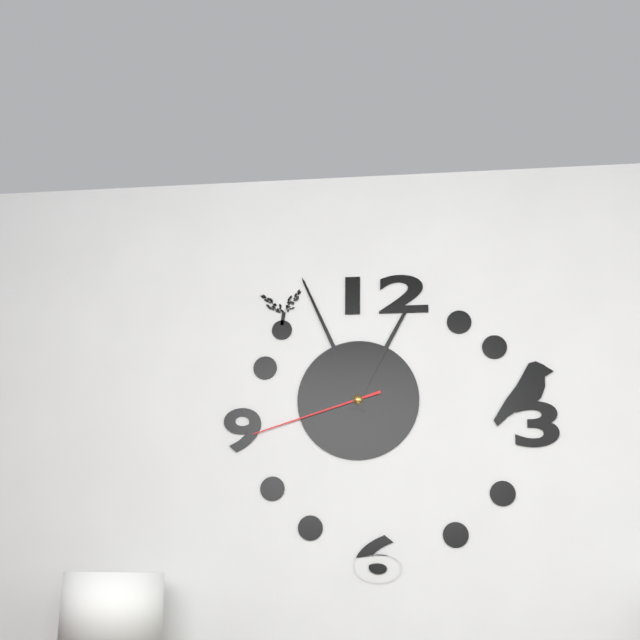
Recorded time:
12 h 56 min 42 s
